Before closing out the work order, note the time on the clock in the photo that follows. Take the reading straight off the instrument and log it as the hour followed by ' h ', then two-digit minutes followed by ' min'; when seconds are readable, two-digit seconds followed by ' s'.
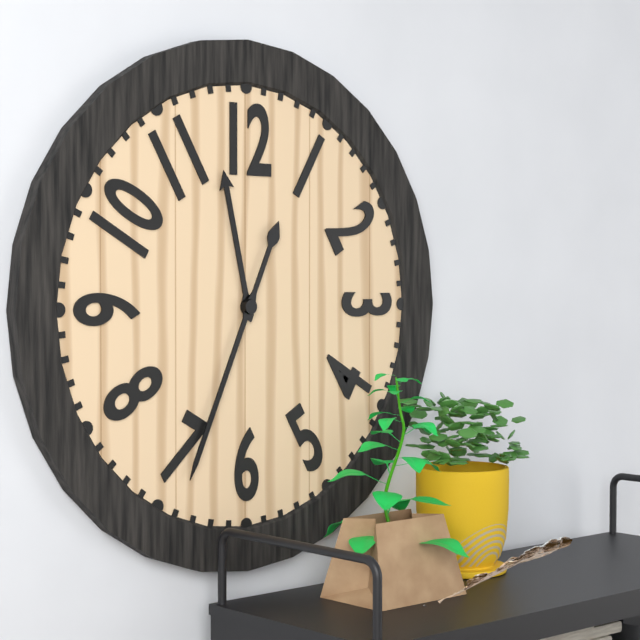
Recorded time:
11 h 34 min
